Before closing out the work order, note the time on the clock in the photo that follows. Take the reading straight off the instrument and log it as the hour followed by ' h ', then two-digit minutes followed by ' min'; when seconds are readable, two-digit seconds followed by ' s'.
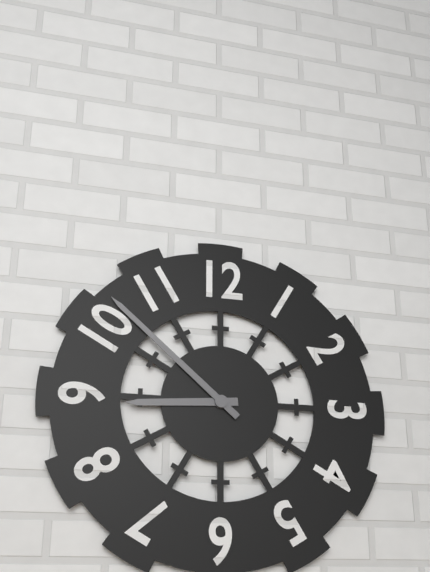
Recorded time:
8 h 52 min
